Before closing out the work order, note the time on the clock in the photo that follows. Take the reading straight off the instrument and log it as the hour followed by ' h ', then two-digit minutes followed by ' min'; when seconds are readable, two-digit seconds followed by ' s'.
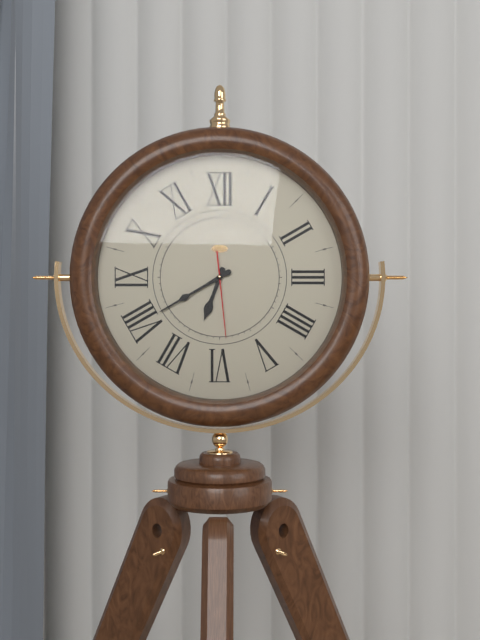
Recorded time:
6 h 40 min 29 s
